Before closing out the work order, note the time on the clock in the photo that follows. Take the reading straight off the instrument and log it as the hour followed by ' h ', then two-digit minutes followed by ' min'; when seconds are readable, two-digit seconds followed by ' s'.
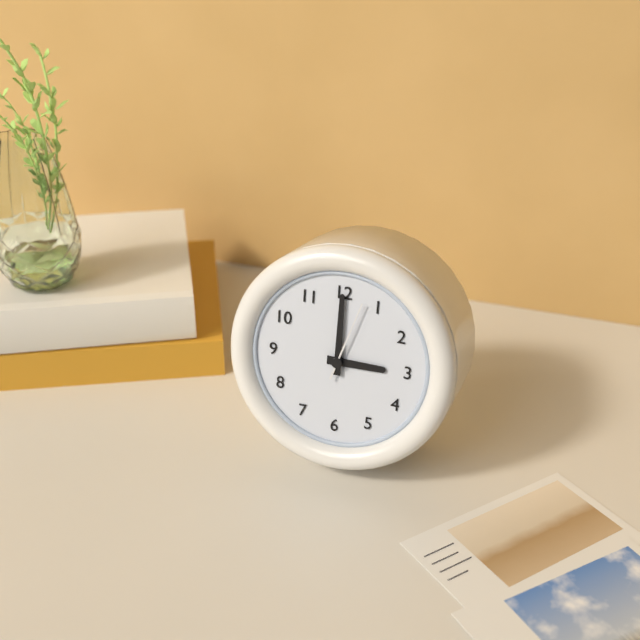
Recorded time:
3 h 00 min 03 s
